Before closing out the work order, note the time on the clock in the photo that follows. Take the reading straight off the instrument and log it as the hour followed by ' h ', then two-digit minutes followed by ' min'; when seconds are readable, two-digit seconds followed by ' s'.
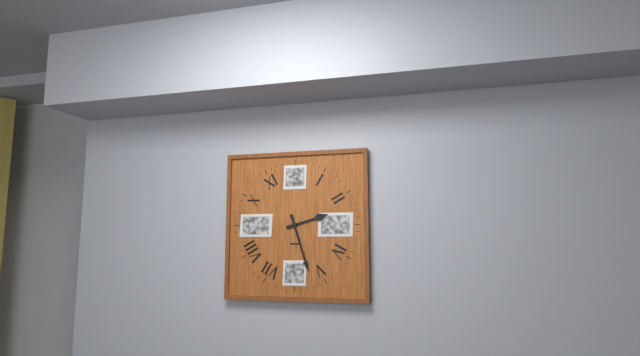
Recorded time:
2 h 27 min
